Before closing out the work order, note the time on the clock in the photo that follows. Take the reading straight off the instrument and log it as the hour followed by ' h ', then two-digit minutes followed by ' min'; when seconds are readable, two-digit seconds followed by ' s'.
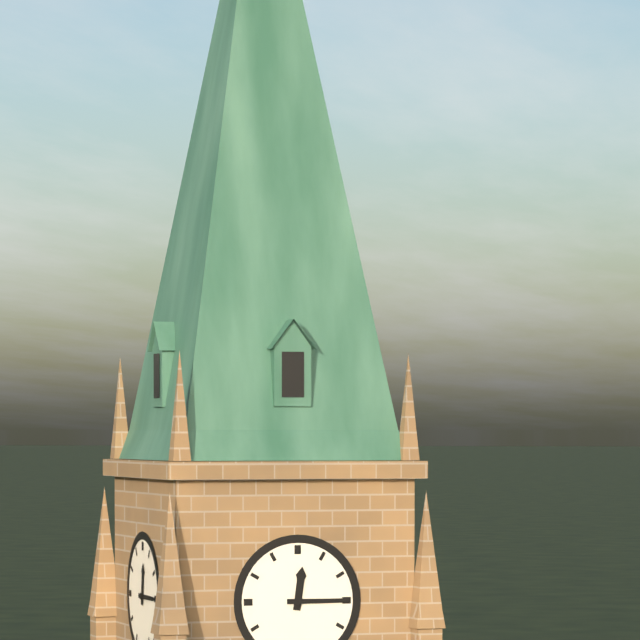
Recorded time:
12 h 15 min
